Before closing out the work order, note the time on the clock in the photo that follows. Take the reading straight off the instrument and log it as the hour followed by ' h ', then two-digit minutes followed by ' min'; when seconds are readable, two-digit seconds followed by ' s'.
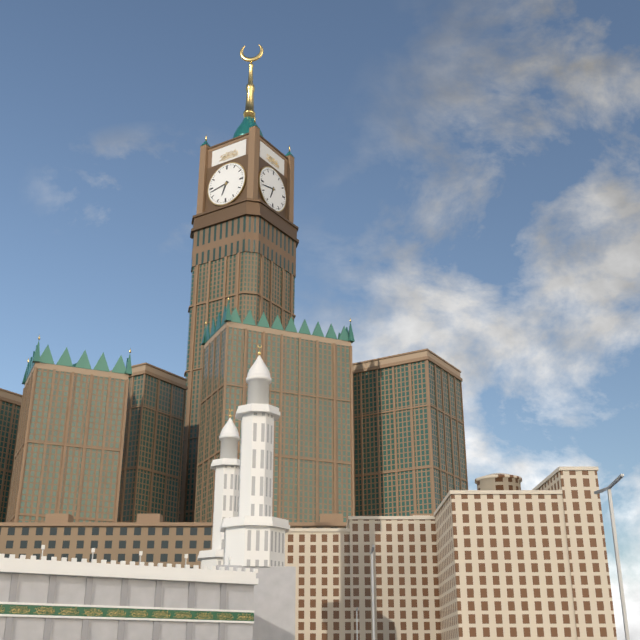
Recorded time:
6 h 43 min
